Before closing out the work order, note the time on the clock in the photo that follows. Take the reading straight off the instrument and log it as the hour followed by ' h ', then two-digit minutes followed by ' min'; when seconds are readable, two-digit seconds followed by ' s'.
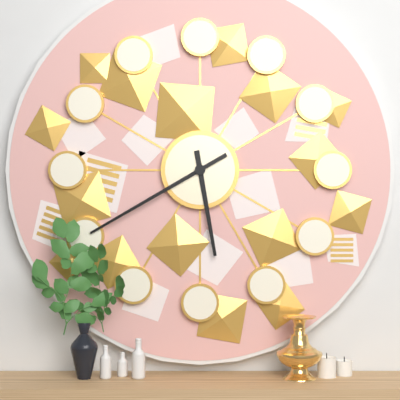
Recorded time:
5 h 40 min
